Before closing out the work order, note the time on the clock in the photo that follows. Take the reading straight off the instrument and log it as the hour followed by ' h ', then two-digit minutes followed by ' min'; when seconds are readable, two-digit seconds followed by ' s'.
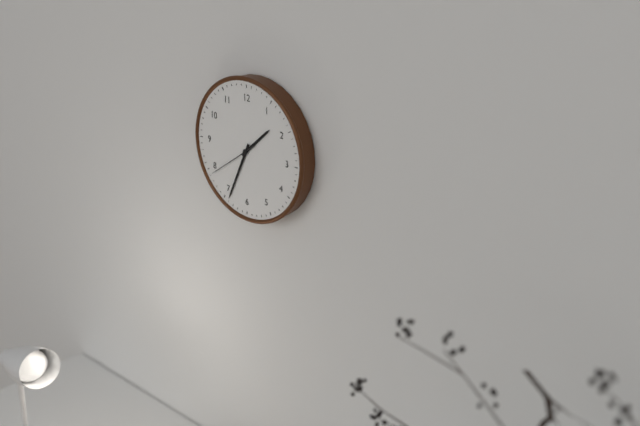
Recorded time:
1 h 34 min 39 s
